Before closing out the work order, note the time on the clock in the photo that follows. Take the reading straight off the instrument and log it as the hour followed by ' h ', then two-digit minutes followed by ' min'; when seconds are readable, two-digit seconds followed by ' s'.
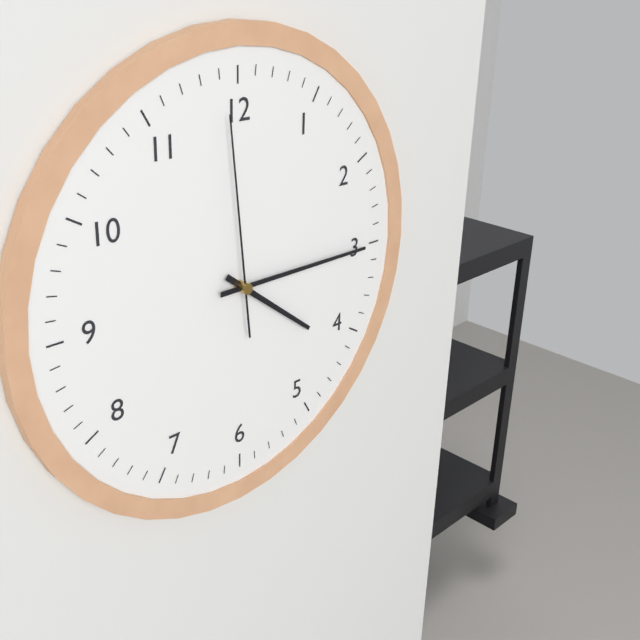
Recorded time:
4 h 15 min 59 s
